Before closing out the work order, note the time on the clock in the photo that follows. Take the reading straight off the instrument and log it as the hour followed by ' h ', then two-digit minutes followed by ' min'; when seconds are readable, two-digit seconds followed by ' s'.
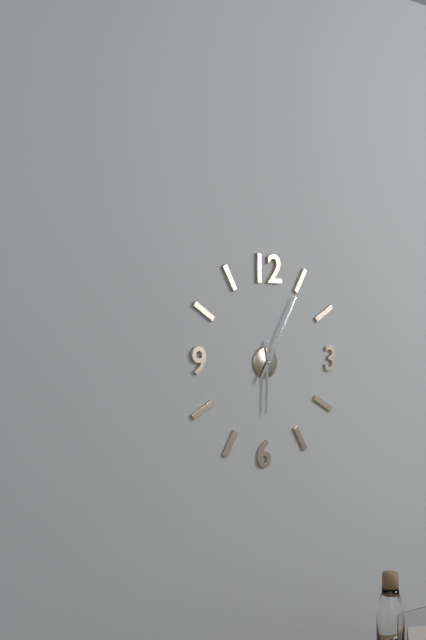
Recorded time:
6 h 05 min
